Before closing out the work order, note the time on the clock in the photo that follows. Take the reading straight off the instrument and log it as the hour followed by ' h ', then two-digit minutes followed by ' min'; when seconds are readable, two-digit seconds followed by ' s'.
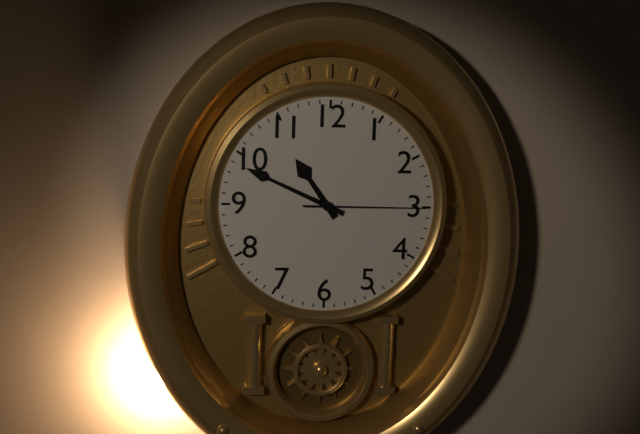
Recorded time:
10 h 49 min 15 s
